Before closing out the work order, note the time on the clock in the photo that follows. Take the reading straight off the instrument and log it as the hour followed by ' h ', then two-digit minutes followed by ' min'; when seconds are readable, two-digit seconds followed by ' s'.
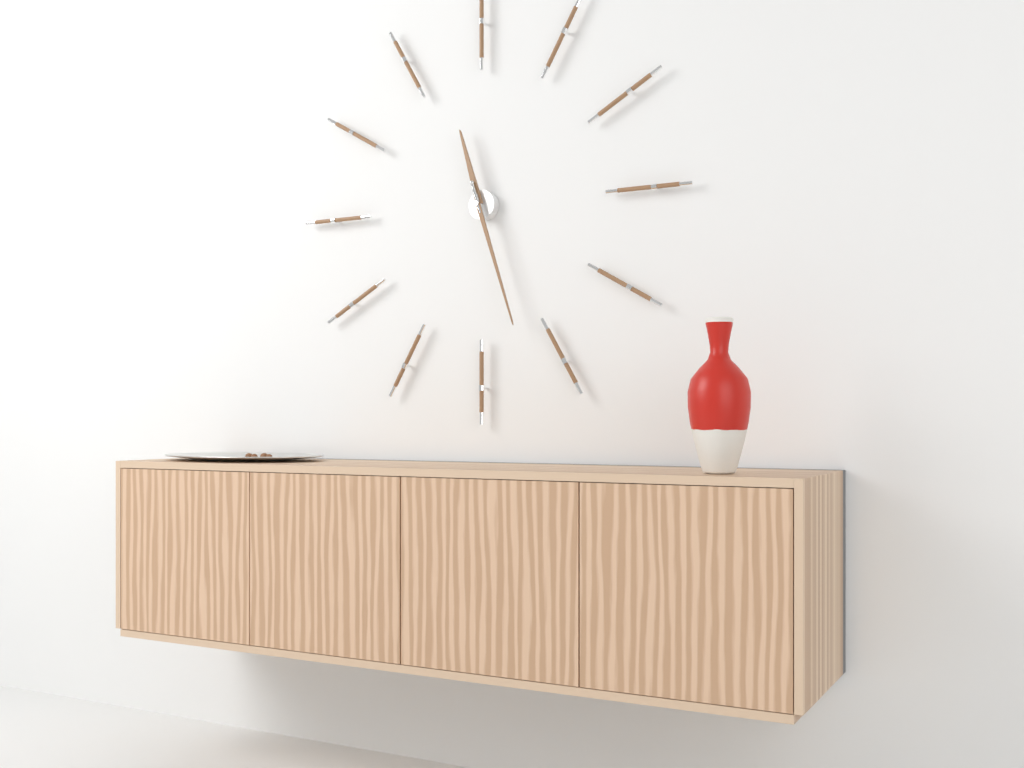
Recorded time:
11 h 27 min
